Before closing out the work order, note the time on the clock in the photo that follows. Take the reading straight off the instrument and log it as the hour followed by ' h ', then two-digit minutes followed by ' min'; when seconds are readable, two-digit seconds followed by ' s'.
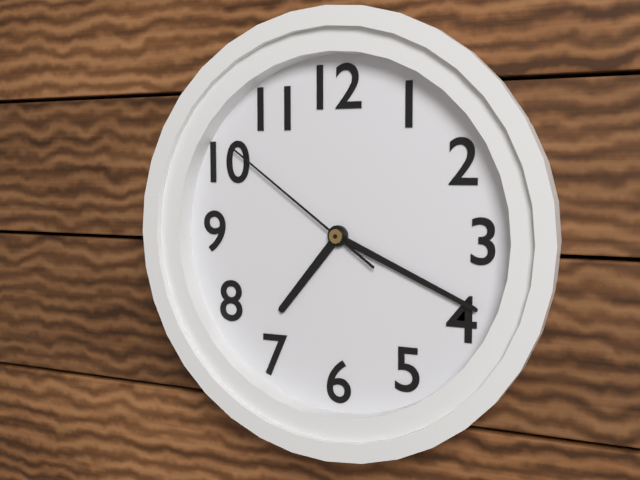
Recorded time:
7 h 19 min 51 s
